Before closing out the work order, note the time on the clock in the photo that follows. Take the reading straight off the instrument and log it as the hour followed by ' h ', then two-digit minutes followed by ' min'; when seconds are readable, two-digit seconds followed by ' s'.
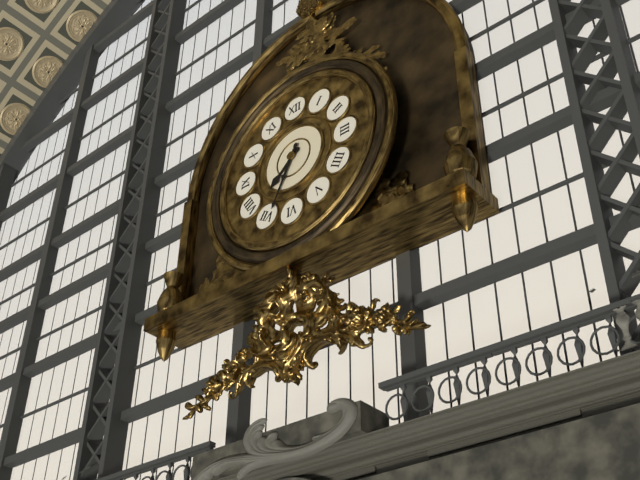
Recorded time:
7 h 34 min
